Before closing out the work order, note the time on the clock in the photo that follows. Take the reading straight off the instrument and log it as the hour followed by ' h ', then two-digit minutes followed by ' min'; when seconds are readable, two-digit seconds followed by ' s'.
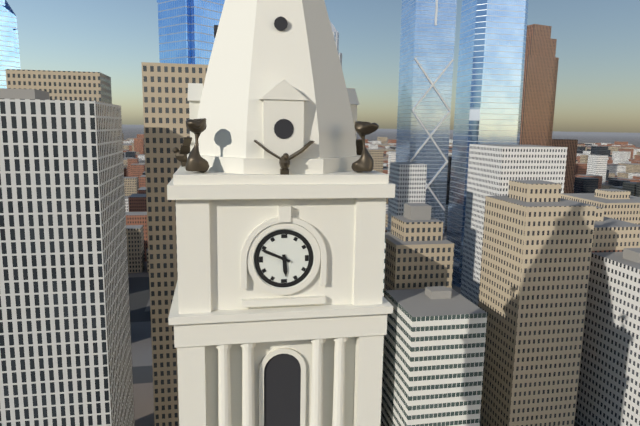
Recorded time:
5 h 49 min
